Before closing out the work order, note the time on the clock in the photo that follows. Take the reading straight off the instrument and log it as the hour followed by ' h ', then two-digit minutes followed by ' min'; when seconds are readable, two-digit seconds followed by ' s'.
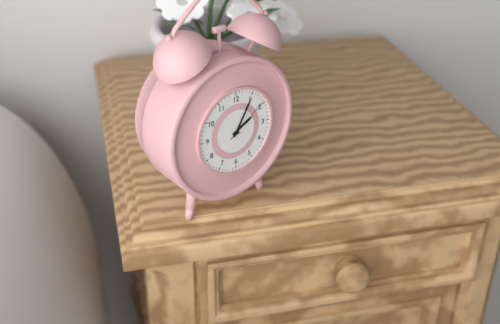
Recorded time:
2 h 05 min 09 s
